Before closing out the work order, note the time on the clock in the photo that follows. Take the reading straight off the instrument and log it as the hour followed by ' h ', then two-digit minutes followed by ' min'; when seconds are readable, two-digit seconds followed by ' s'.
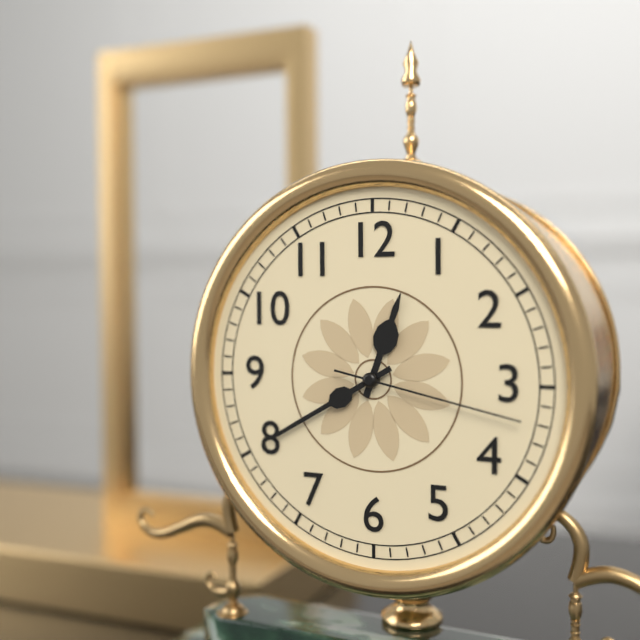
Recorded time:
12 h 40 min 17 s
